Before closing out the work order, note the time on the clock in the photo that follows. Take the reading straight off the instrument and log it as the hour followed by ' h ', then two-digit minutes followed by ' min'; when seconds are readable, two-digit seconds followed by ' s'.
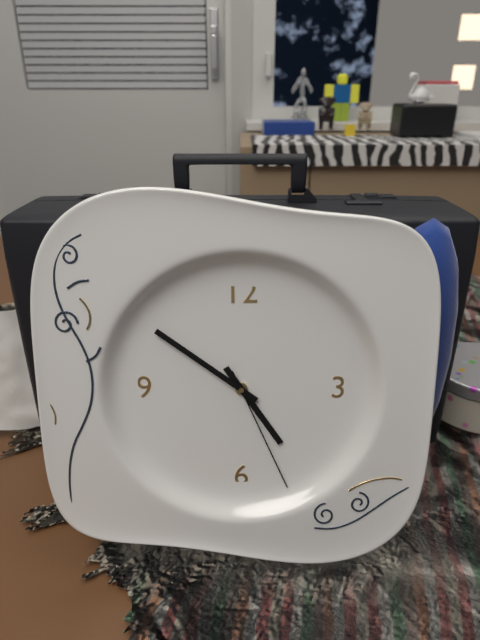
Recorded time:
4 h 51 min 26 s
